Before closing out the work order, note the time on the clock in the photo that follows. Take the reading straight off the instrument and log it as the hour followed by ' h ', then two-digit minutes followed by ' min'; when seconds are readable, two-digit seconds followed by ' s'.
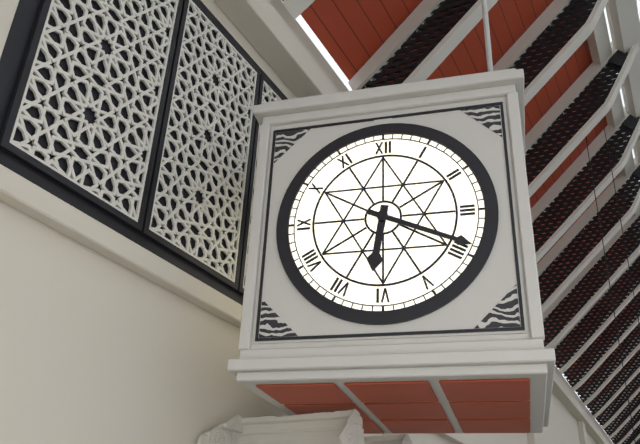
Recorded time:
6 h 19 min
